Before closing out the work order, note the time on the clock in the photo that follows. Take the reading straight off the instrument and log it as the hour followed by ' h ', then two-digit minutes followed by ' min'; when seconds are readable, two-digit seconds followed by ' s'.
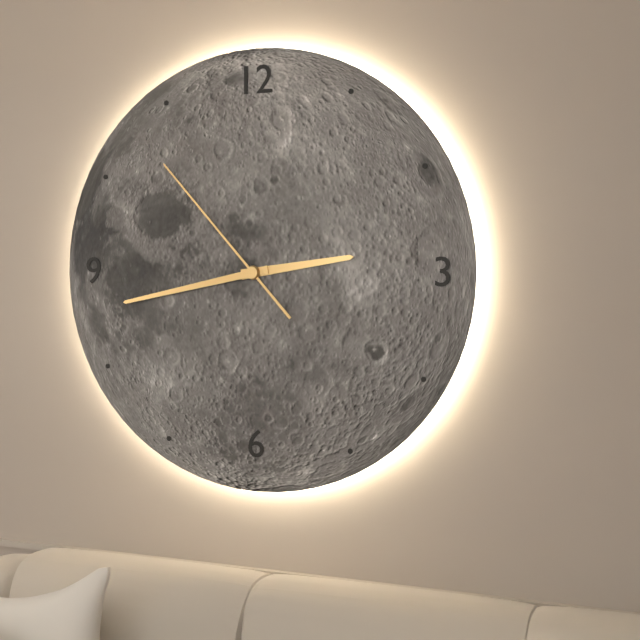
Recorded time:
2 h 43 min 53 s
